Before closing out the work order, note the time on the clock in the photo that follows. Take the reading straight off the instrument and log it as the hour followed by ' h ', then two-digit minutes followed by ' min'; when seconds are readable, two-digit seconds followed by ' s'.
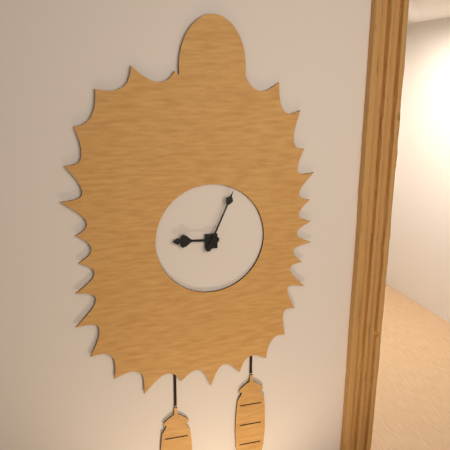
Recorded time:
9 h 04 min
